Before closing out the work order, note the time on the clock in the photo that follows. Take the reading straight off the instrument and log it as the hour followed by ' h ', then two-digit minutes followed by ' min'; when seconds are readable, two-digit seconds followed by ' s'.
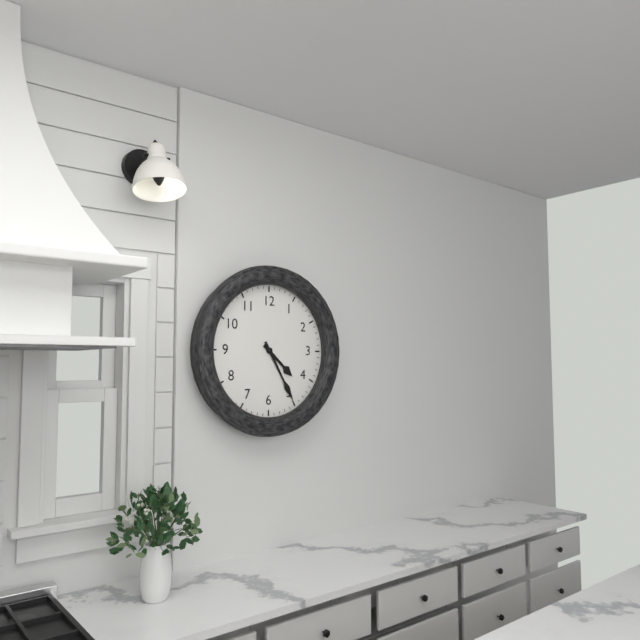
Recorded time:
4 h 25 min
